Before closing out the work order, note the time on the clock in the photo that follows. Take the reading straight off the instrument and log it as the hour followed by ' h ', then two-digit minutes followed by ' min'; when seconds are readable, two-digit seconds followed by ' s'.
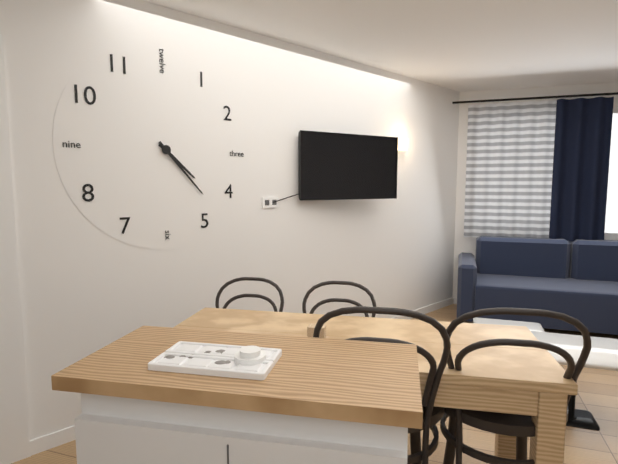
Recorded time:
4 h 23 min
